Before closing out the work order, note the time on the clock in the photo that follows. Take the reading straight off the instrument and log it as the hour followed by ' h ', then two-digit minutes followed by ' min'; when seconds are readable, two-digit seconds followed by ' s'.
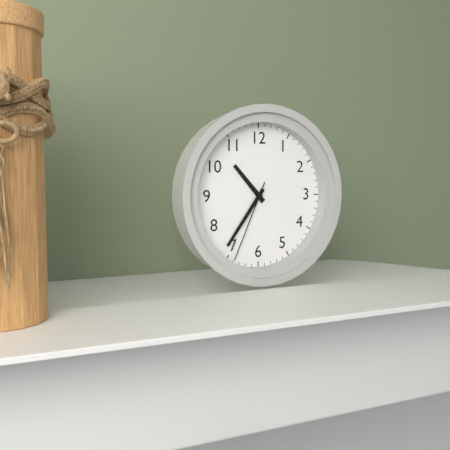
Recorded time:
10 h 36 min 34 s
